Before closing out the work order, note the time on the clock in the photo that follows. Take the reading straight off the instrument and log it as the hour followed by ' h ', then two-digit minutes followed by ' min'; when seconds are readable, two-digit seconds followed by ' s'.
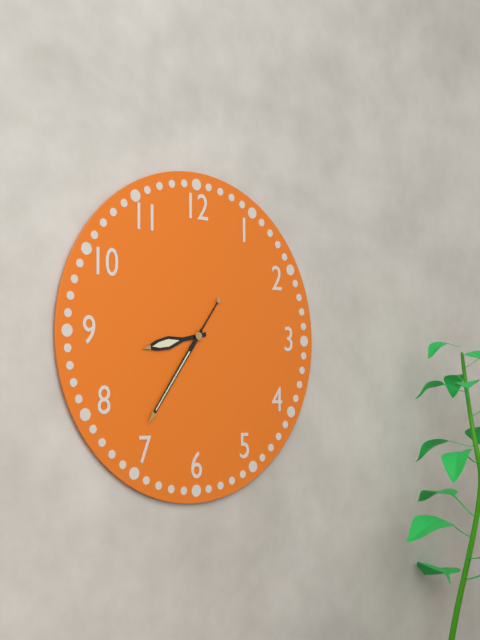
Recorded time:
8 h 36 min
